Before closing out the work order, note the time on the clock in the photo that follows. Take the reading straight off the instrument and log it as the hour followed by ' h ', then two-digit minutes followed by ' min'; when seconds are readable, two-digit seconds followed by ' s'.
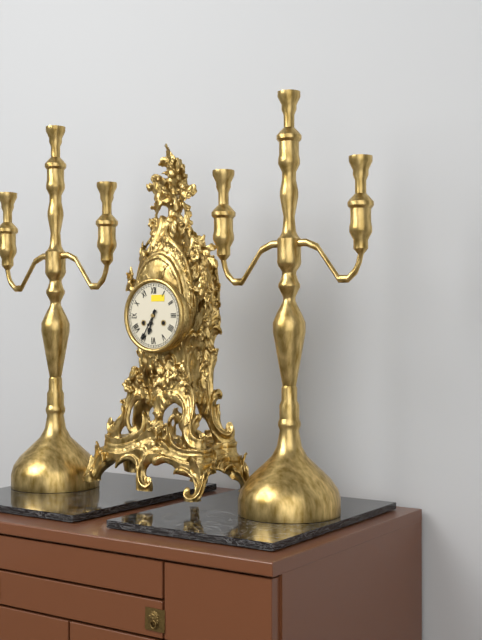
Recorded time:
6 h 35 min
